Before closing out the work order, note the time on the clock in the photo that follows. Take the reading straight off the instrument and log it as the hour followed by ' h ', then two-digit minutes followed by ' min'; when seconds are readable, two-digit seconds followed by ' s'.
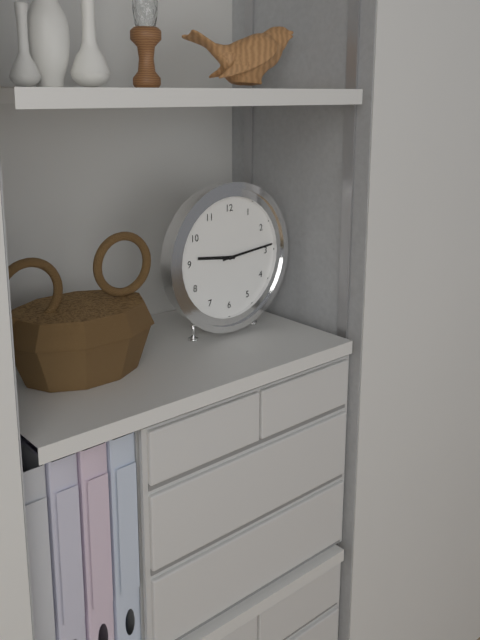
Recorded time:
9 h 14 min
